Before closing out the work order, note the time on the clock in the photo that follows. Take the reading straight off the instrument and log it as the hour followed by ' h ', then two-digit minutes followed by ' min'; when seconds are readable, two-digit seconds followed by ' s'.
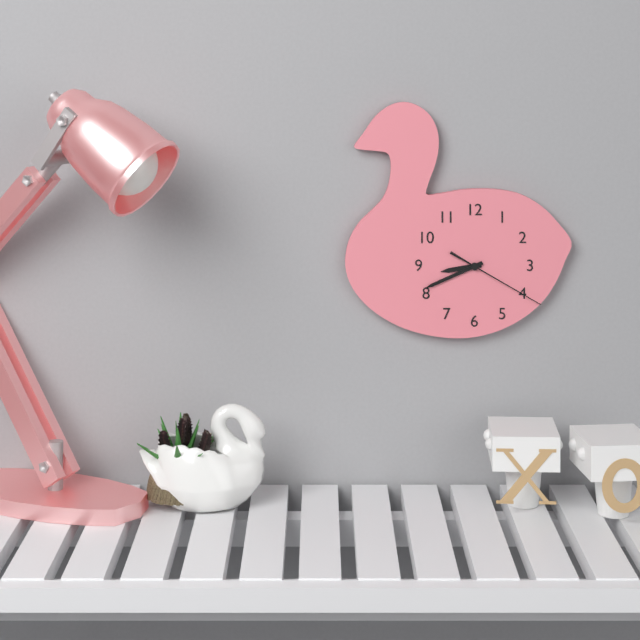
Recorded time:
8 h 41 min 20 s
